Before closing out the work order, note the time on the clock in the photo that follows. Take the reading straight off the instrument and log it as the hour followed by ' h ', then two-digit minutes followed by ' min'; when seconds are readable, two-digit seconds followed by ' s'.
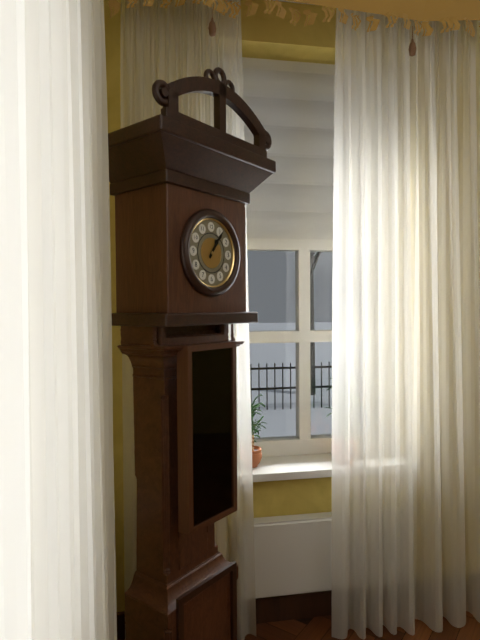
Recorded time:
1 h 06 min
